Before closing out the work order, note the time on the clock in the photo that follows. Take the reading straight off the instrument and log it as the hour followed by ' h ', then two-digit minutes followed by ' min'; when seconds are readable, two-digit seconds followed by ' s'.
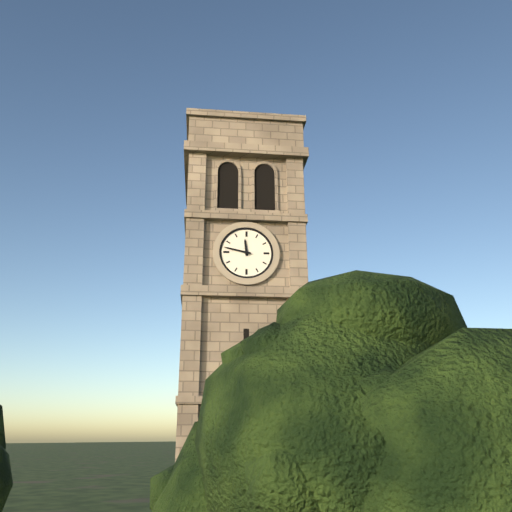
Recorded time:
11 h 47 min
